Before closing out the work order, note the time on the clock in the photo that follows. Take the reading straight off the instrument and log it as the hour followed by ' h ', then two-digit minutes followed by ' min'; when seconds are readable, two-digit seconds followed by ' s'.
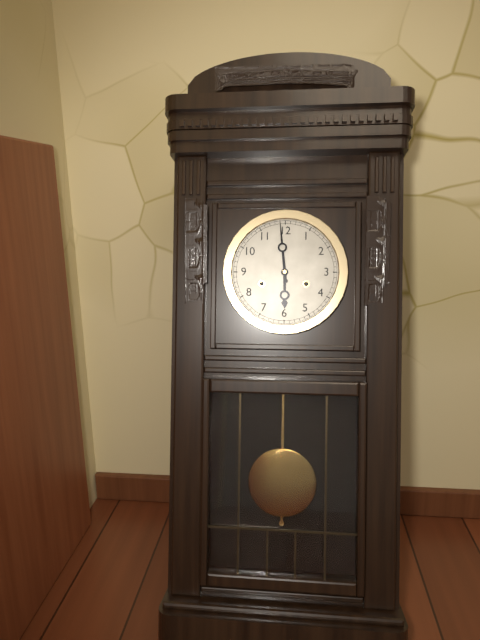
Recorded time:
5 h 59 min
